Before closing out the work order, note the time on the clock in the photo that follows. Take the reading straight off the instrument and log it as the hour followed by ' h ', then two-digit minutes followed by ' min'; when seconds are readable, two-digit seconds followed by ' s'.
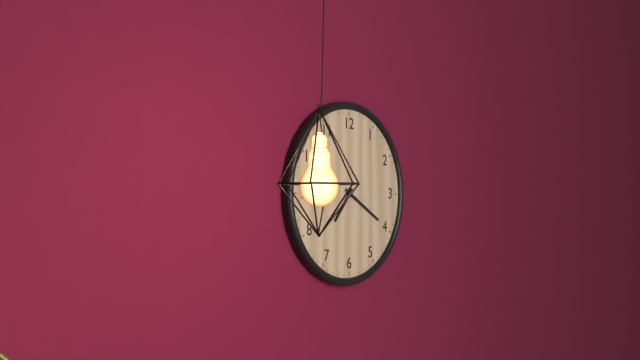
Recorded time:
7 h 20 min
